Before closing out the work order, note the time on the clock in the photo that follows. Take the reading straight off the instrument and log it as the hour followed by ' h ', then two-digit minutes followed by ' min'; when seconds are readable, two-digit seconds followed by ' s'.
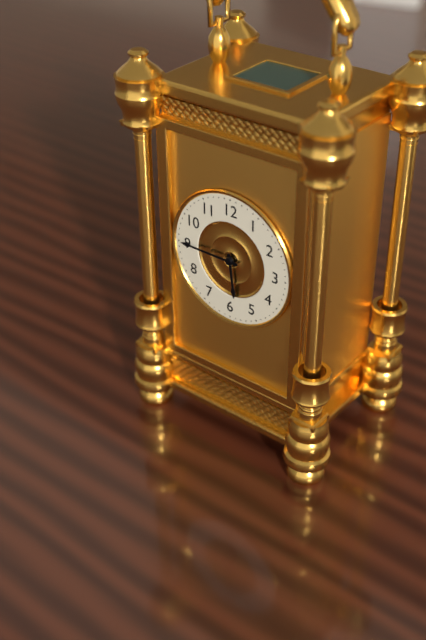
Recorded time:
5 h 45 min
